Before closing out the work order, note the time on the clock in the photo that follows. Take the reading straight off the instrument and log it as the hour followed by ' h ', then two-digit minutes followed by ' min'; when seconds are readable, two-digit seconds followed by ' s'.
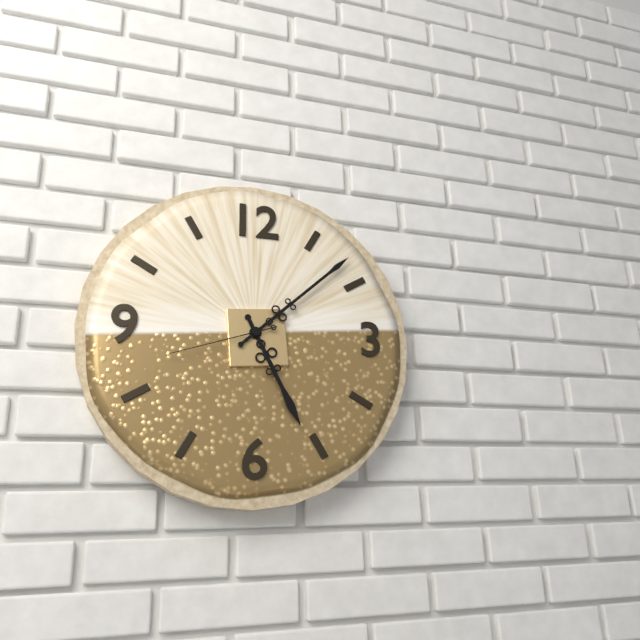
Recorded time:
5 h 08 min 42 s
